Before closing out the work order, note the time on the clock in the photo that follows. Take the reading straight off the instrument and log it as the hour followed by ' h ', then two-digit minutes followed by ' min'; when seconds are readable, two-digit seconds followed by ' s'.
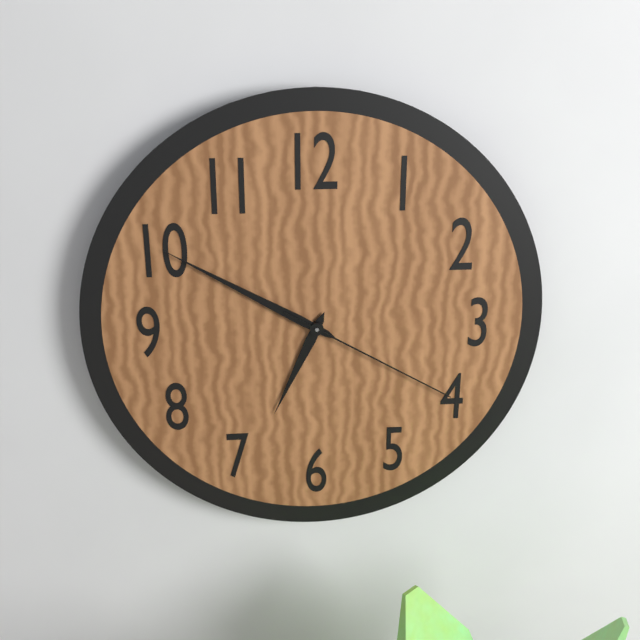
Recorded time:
6 h 50 min 20 s
